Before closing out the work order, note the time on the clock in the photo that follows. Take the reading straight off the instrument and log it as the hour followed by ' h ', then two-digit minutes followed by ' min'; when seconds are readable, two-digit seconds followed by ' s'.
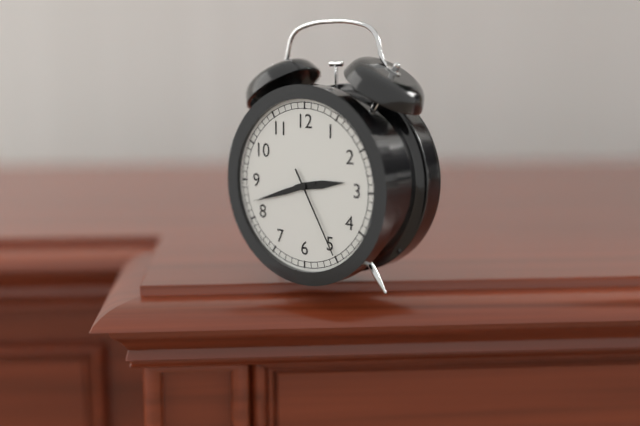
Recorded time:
2 h 42 min 25 s
